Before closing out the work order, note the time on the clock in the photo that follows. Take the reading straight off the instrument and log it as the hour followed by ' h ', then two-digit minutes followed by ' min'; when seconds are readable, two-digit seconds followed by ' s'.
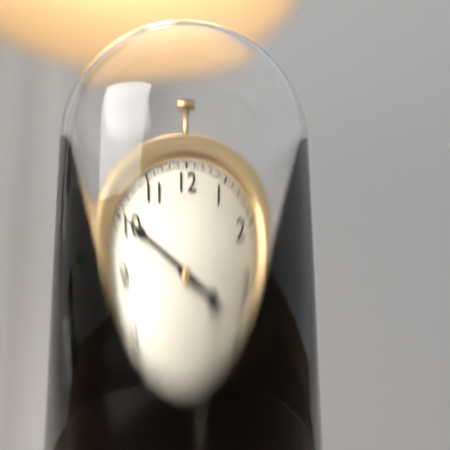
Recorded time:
3 h 50 min
